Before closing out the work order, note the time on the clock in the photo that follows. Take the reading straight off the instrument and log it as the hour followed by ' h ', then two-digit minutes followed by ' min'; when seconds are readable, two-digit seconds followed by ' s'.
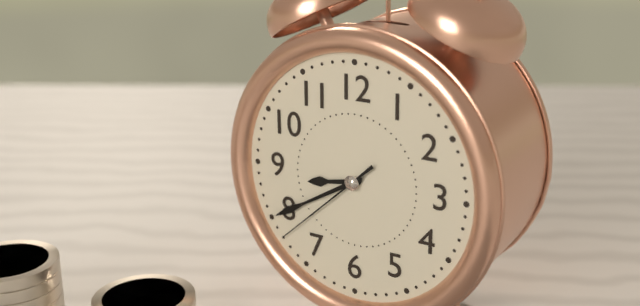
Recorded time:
8 h 40 min 38 s
